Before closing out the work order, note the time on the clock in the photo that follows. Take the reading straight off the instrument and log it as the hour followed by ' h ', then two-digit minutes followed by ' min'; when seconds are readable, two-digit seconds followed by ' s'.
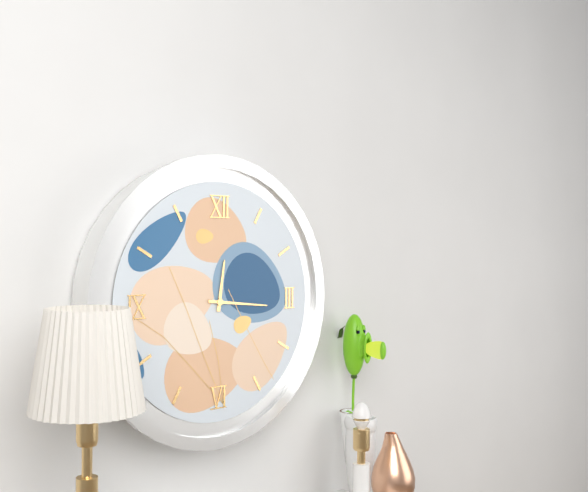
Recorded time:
12 h 16 min
